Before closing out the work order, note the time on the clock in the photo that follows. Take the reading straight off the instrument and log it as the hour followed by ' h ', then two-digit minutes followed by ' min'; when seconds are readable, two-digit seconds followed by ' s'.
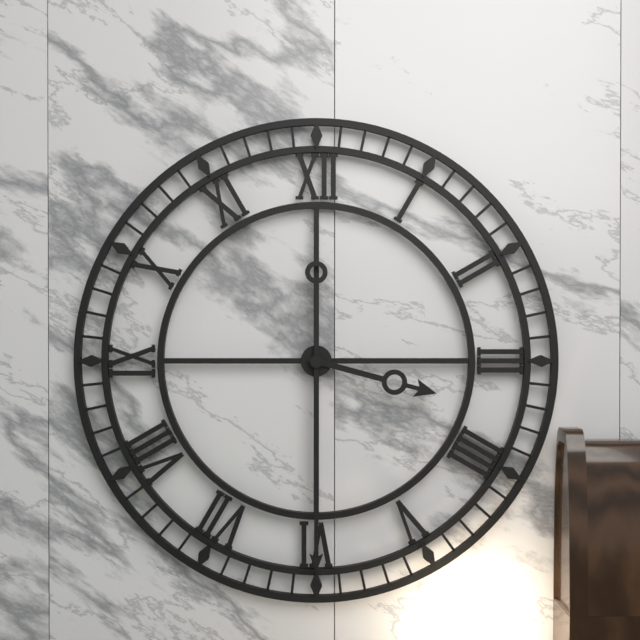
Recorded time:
3 h 30 min
